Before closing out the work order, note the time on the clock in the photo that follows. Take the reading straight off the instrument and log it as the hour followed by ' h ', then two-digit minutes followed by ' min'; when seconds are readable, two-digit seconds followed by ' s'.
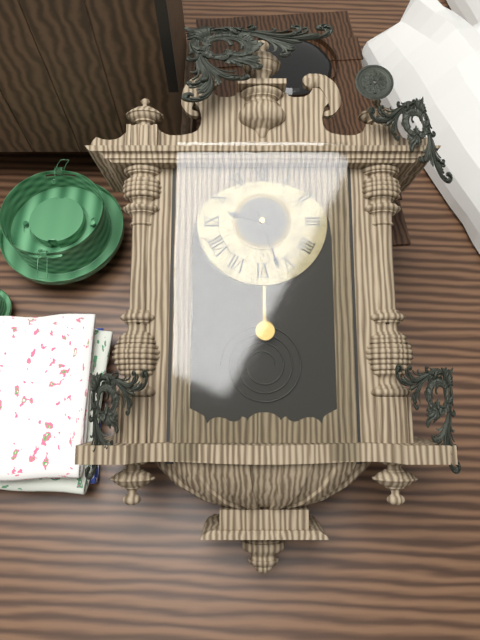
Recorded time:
9 h 27 min
